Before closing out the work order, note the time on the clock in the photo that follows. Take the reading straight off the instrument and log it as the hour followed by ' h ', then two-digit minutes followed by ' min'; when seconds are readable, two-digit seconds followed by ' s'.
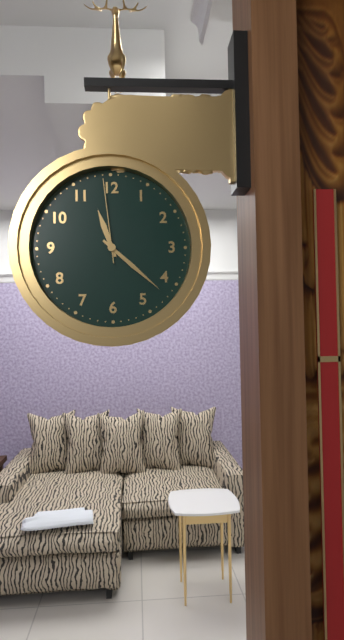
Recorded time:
11 h 22 min 59 s
